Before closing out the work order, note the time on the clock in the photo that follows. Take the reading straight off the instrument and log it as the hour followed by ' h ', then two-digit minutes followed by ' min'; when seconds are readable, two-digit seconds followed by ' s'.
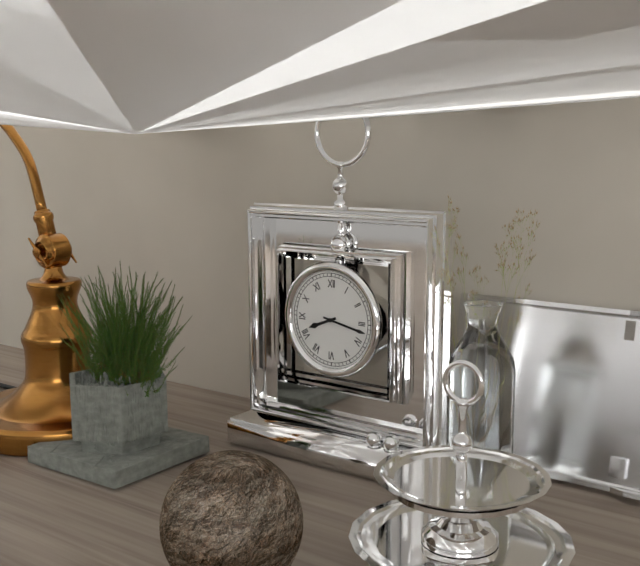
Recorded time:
8 h 17 min
